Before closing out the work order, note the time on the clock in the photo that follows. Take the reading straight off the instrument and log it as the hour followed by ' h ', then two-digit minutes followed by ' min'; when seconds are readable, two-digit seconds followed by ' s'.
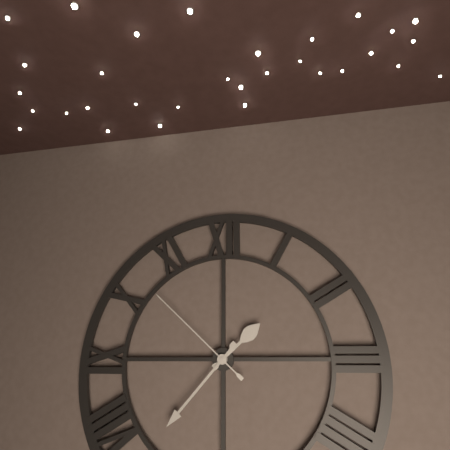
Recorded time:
1 h 37 min 52 s
